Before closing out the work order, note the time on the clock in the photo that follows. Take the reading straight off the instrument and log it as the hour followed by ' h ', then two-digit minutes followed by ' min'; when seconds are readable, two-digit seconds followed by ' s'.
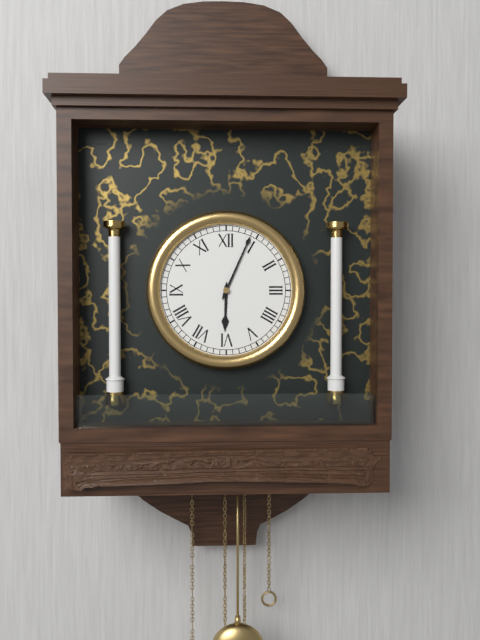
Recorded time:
6 h 04 min
